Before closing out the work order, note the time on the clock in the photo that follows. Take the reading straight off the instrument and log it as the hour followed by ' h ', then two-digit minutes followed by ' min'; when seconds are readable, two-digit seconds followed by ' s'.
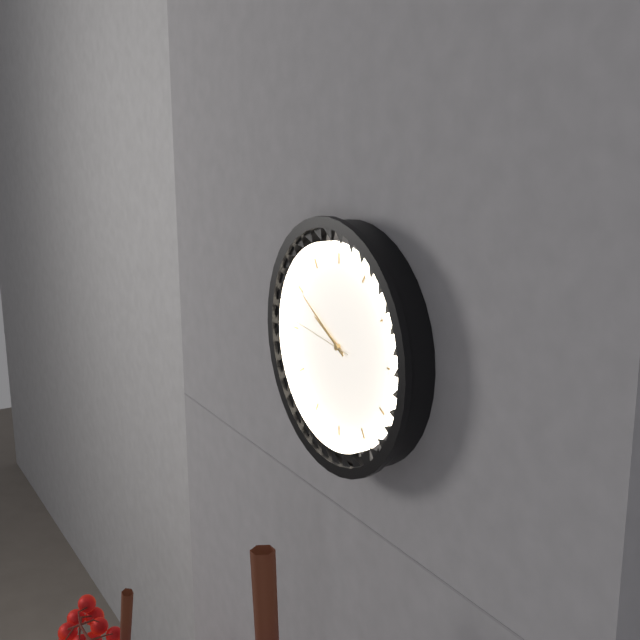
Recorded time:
9 h 50 min 46 s
